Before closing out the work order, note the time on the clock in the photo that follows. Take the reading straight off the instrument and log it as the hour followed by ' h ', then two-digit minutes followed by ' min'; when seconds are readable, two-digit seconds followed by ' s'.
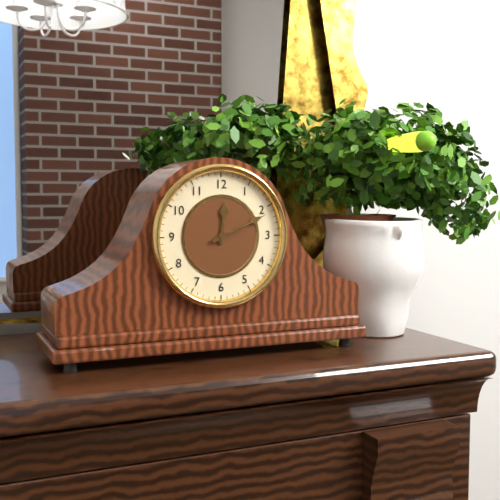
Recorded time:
12 h 11 min
